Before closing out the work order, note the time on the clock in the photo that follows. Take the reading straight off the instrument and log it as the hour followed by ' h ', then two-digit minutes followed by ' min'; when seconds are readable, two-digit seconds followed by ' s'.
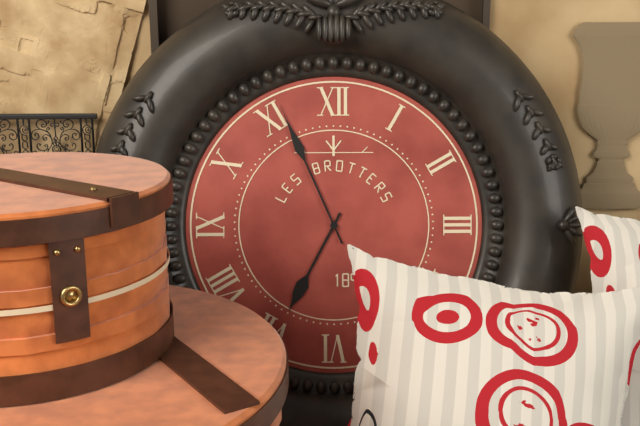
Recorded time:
6 h 56 min
